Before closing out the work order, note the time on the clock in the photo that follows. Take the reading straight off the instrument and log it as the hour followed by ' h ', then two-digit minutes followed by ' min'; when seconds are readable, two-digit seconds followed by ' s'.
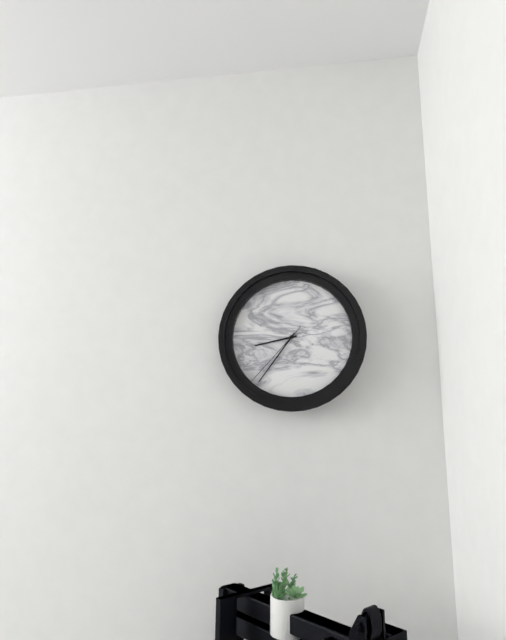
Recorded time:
8 h 36 min 37 s
